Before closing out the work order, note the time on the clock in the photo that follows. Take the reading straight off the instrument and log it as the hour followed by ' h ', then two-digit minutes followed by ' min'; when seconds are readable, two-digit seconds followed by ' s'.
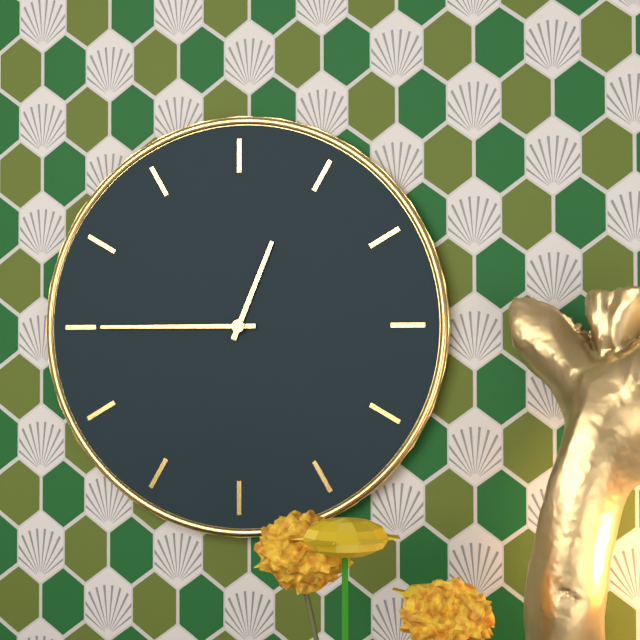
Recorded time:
12 h 45 min
